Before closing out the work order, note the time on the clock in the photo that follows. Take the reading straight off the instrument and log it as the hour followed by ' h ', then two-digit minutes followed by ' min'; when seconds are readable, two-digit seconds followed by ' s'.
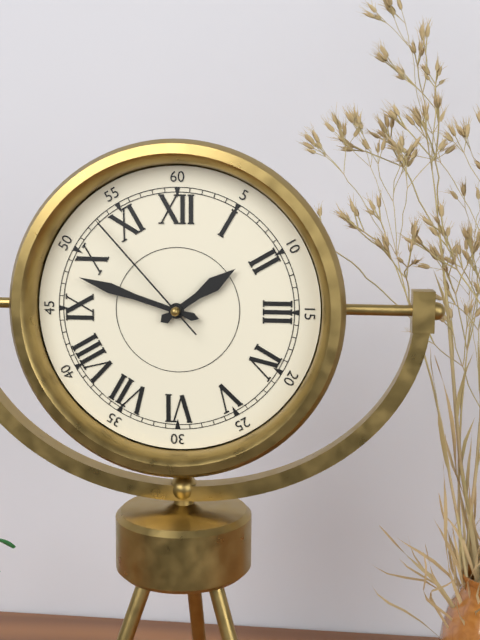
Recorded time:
1 h 48 min 53 s
